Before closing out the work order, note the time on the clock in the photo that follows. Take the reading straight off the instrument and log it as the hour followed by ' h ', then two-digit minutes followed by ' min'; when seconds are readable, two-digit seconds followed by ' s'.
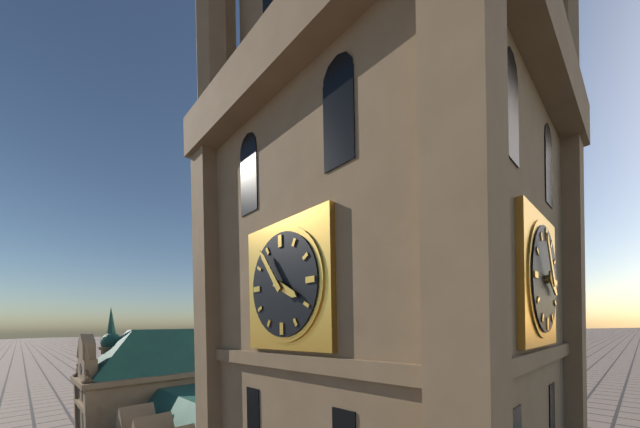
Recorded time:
3 h 54 min
